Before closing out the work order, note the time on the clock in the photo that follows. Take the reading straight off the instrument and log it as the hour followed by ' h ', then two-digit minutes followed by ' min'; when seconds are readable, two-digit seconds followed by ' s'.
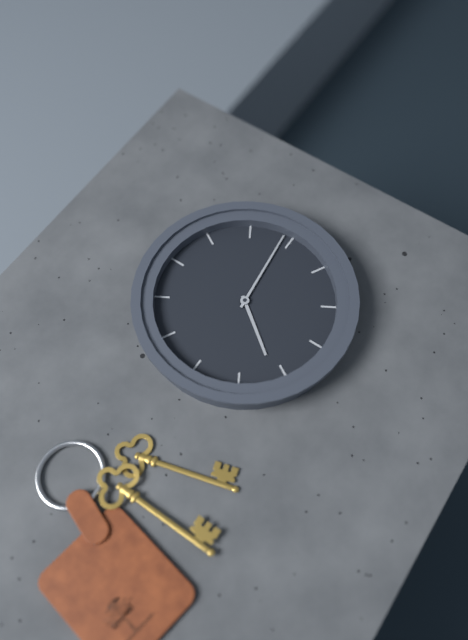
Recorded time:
7 h 14 min
